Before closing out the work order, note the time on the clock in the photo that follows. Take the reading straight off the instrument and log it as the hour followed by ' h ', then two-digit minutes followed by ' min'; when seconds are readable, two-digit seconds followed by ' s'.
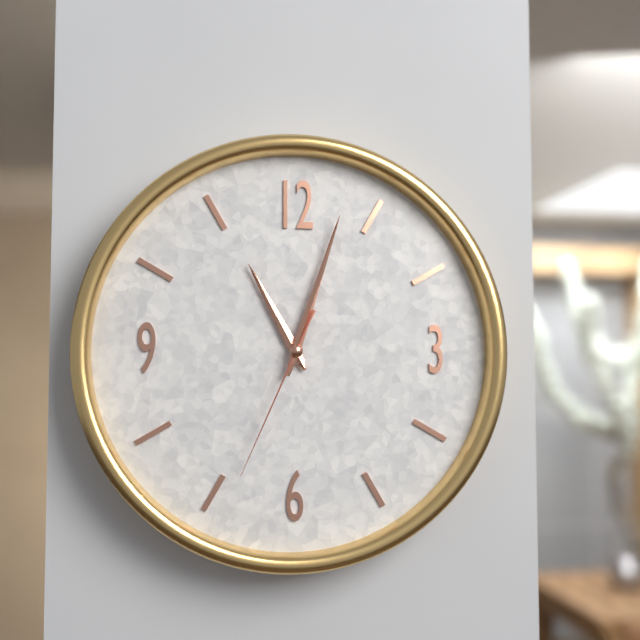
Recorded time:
11 h 03 min 34 s
